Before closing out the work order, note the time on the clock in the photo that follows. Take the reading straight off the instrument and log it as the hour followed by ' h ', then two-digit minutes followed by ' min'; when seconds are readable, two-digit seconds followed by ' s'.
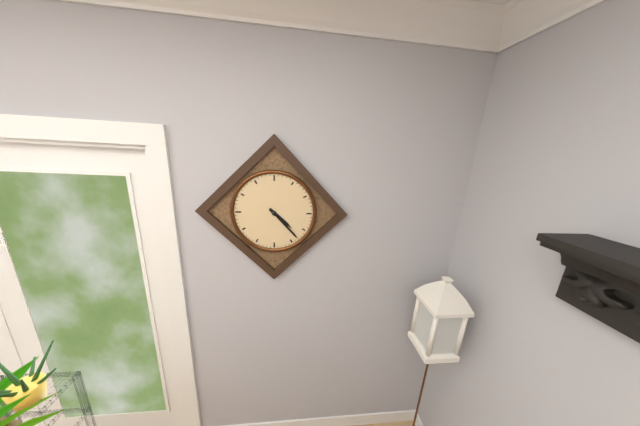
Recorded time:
4 h 23 min
